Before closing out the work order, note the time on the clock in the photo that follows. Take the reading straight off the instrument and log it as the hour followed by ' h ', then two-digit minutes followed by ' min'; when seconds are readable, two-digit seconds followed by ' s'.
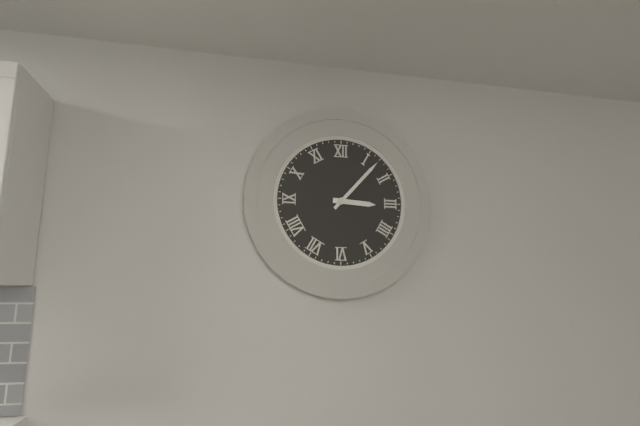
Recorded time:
3 h 07 min
